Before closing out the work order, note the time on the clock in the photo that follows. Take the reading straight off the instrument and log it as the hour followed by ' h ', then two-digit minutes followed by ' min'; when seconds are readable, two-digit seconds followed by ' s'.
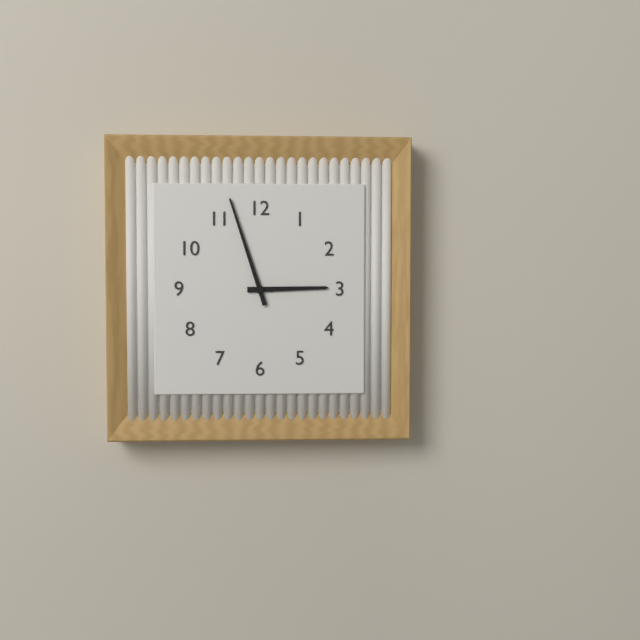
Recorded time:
2 h 57 min
